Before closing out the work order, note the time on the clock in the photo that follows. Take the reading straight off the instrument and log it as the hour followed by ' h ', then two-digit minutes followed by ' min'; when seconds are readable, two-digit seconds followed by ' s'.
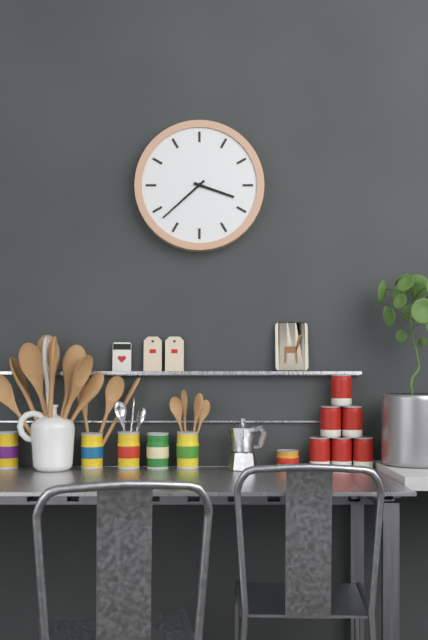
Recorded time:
3 h 38 min
